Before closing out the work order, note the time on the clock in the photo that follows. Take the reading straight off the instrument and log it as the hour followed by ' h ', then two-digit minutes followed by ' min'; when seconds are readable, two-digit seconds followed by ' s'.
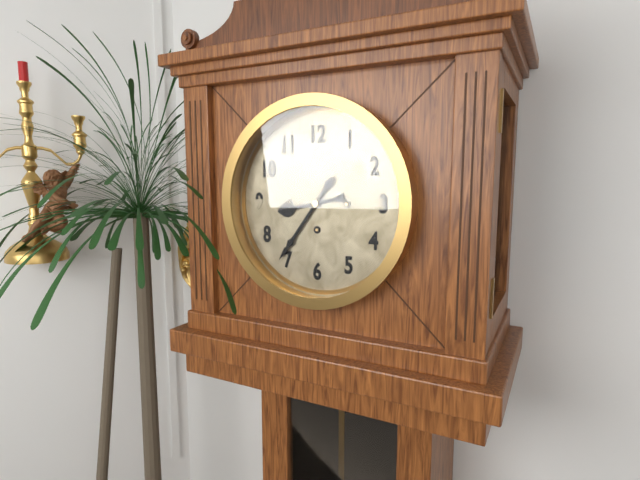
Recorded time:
8 h 36 min
